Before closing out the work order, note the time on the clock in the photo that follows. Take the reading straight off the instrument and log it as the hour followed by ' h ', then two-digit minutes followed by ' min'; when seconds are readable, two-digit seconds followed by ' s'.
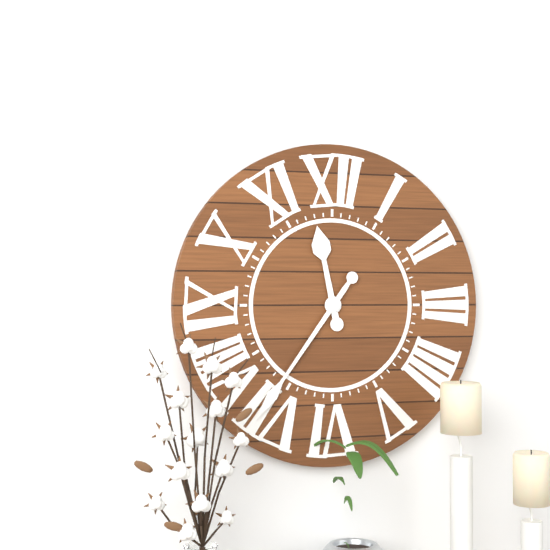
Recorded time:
11 h 36 min
